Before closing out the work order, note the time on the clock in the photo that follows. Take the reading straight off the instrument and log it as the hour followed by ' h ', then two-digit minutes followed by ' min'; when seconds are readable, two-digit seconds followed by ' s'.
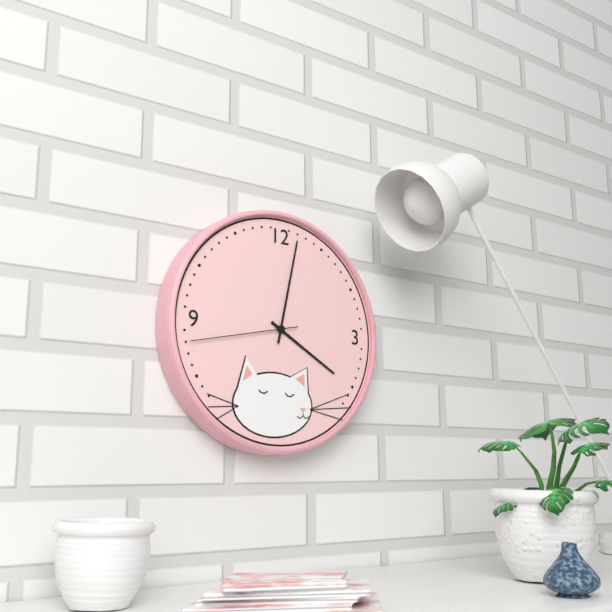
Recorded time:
4 h 02 min 43 s
